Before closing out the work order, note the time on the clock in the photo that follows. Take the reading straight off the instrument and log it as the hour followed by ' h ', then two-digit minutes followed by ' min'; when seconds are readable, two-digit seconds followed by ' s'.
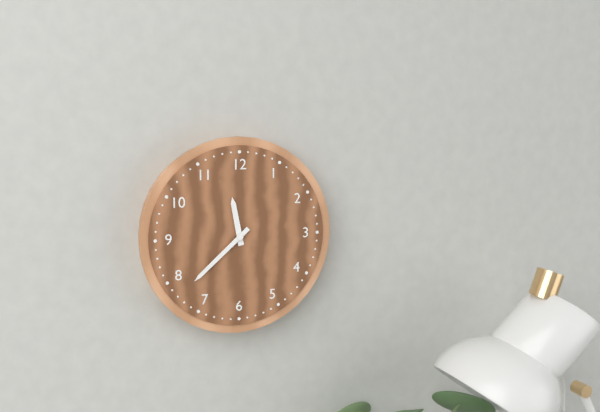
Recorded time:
11 h 38 min
